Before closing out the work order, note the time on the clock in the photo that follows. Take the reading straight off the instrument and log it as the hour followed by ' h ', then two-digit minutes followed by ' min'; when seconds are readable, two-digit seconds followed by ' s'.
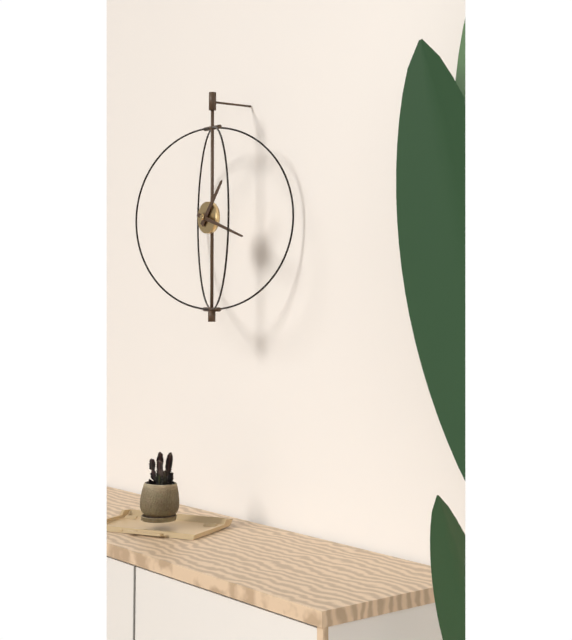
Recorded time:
1 h 18 min
